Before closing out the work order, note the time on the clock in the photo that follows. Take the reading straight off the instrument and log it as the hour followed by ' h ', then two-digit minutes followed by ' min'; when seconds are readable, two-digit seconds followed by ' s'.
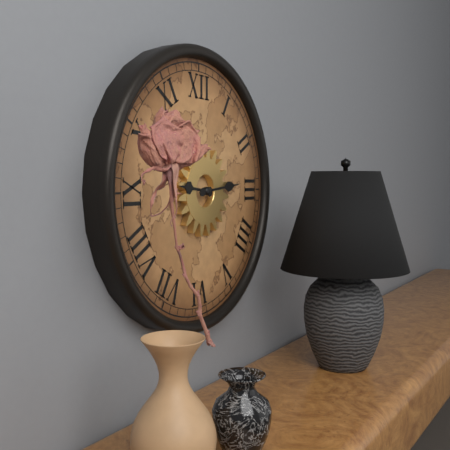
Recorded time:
9 h 14 min
